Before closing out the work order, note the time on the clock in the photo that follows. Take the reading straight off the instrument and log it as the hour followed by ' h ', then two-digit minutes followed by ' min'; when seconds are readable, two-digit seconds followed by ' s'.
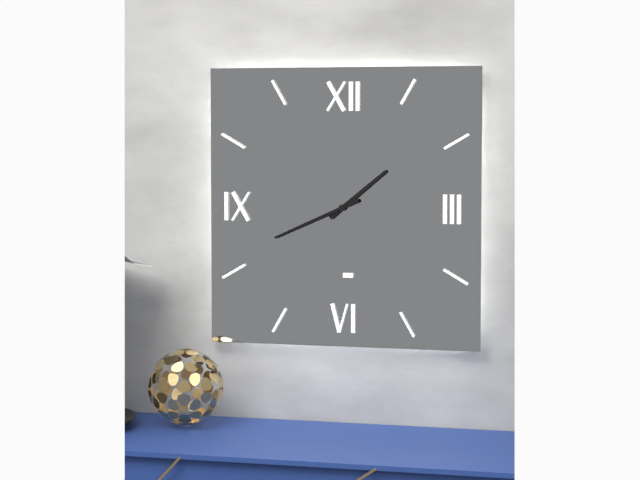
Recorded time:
1 h 41 min
